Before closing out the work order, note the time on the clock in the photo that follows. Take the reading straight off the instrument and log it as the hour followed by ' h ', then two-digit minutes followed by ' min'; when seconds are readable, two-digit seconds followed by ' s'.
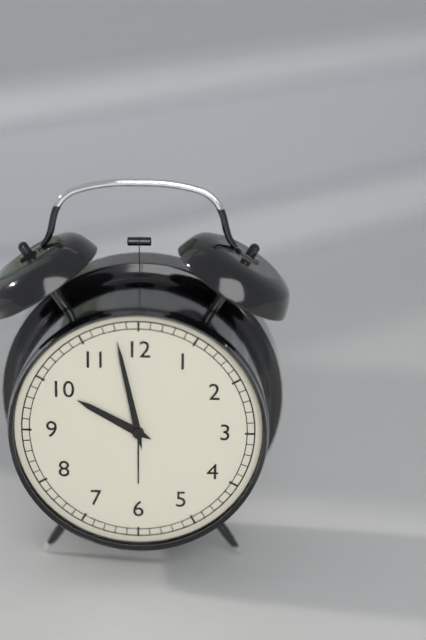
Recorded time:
9 h 58 min
